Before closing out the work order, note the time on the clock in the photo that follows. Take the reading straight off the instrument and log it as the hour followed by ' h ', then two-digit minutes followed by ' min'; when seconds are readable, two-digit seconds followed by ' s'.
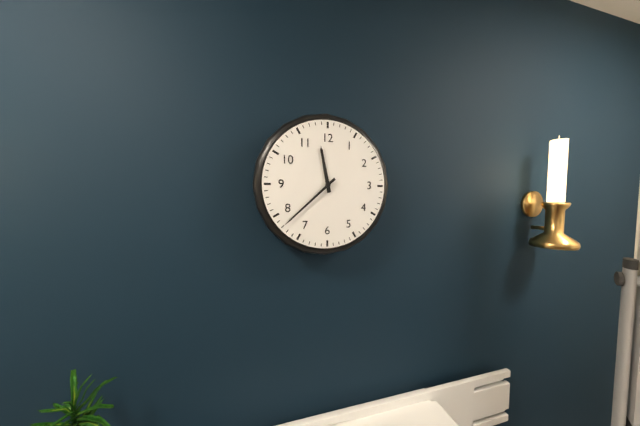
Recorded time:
11 h 38 min
